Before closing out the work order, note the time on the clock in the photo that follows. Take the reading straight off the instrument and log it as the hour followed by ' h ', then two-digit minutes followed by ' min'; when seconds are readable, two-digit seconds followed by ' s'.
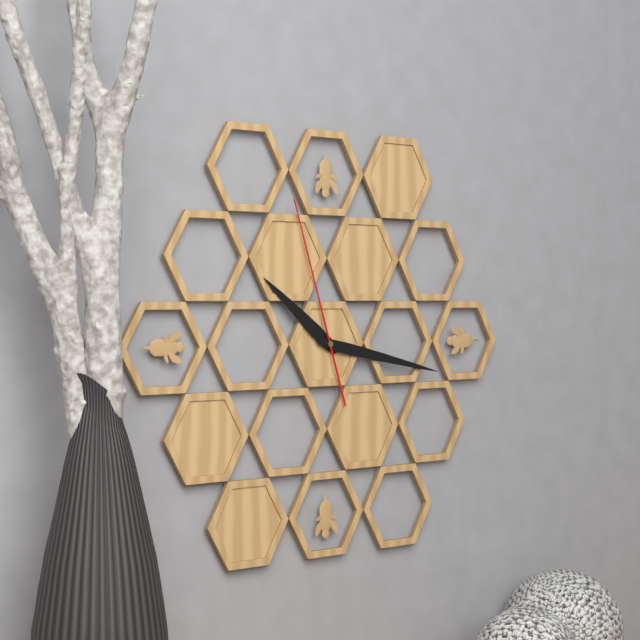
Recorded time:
10 h 17 min 57 s
